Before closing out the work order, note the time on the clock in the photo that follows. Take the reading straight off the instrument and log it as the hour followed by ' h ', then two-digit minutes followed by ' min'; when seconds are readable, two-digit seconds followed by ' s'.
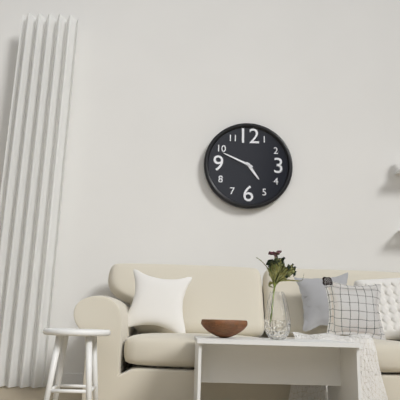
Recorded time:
4 h 49 min
